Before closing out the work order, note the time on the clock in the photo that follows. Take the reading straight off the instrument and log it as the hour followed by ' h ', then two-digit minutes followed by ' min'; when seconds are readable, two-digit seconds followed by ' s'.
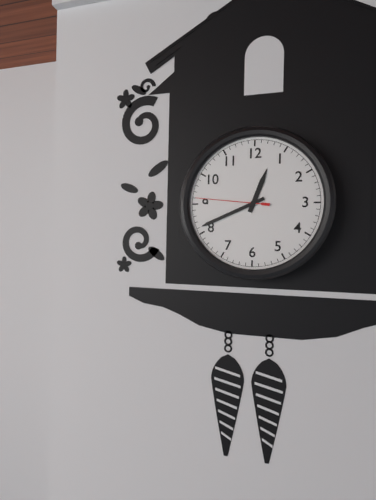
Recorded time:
12 h 41 min 46 s
